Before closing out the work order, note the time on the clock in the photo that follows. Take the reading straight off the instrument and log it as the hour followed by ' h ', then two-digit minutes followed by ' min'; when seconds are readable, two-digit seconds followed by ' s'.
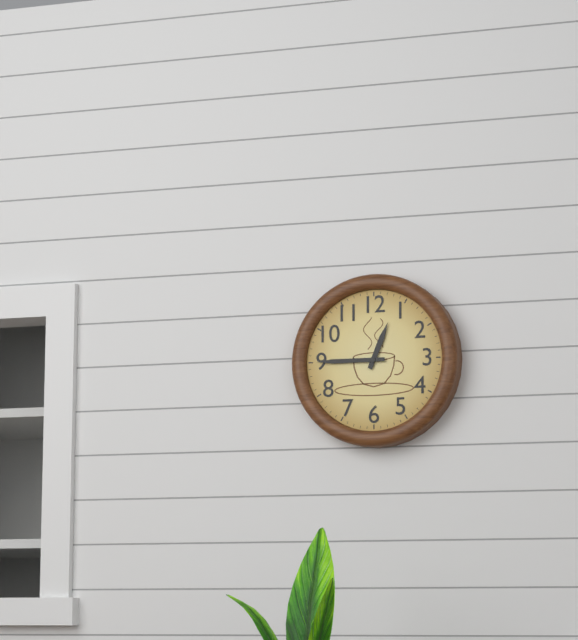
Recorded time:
12 h 45 min
